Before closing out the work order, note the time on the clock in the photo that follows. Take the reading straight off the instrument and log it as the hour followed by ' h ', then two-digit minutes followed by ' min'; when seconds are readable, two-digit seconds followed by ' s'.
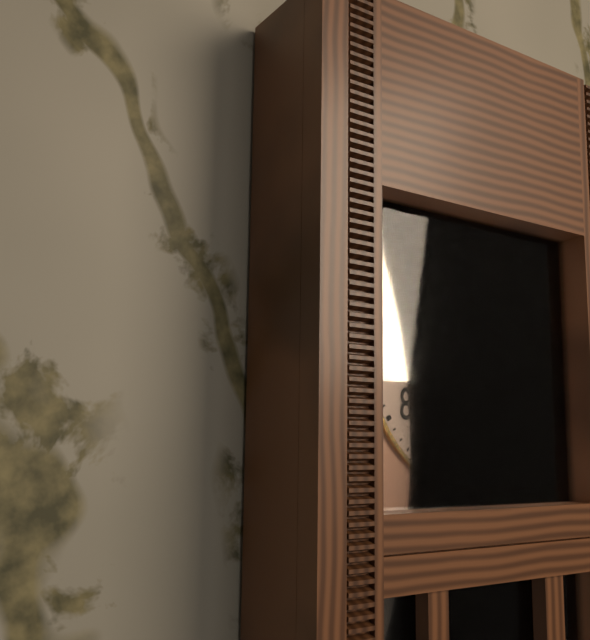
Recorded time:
2 h 45 min
